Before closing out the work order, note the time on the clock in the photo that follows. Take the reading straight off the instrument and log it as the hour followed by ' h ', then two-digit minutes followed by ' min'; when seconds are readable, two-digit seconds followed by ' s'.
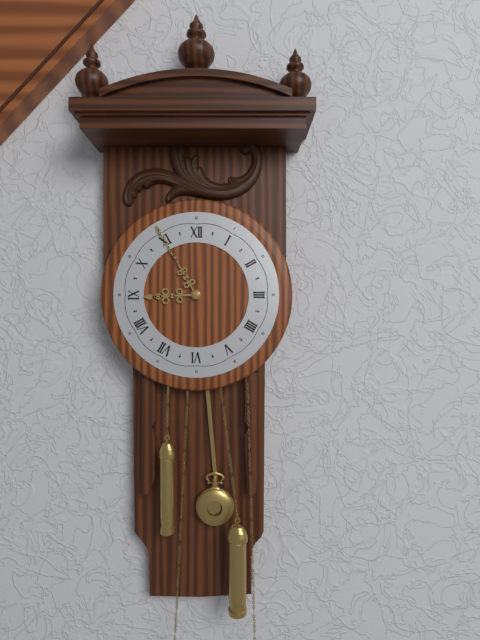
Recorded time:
8 h 55 min
